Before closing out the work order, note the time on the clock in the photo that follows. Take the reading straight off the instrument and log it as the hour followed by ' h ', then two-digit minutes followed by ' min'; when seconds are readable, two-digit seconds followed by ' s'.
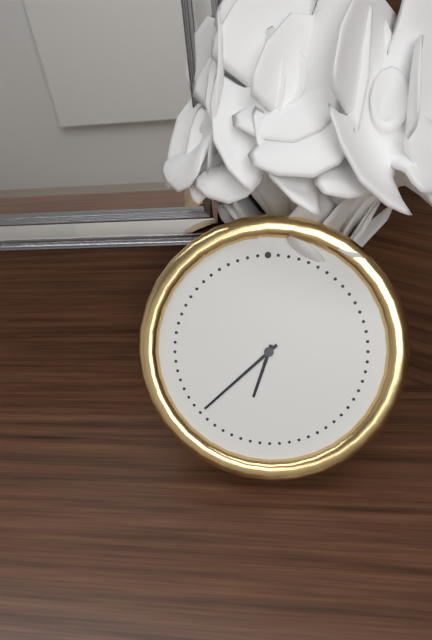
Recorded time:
6 h 38 min
